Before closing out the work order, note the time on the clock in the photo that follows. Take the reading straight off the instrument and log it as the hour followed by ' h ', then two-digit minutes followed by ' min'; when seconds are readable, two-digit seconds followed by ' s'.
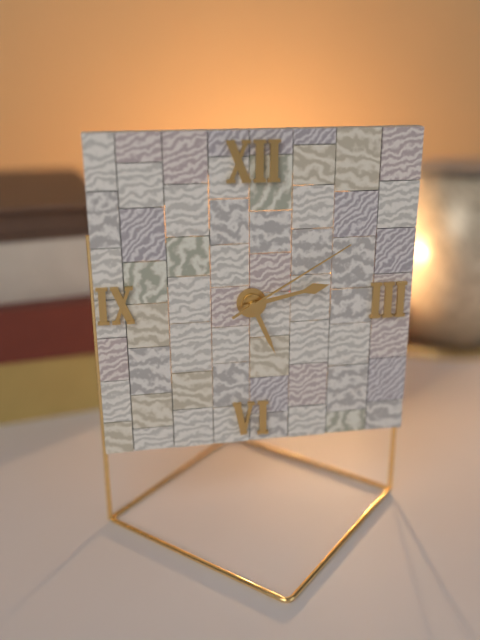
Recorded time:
5 h 13 min 10 s
